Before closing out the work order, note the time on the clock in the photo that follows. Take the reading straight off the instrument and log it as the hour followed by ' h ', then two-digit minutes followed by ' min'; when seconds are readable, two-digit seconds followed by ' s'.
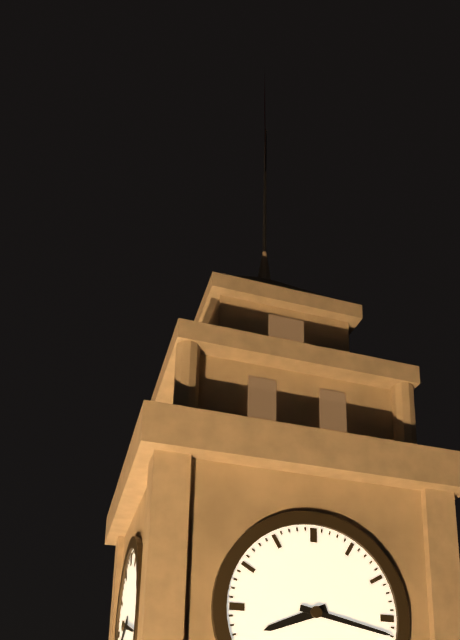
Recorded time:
8 h 17 min
